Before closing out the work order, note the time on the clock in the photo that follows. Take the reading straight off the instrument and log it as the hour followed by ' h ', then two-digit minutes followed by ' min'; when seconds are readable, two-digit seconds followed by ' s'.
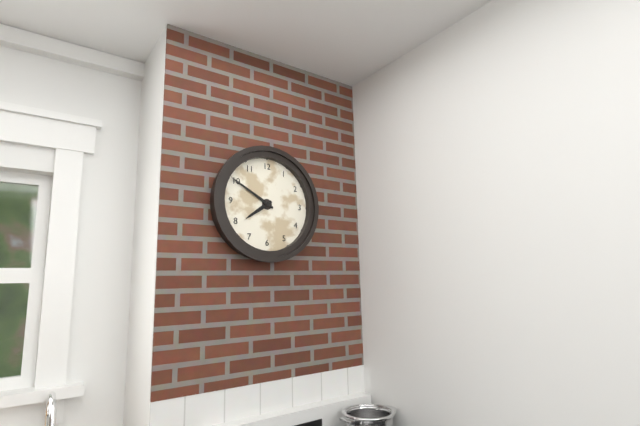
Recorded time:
7 h 50 min
